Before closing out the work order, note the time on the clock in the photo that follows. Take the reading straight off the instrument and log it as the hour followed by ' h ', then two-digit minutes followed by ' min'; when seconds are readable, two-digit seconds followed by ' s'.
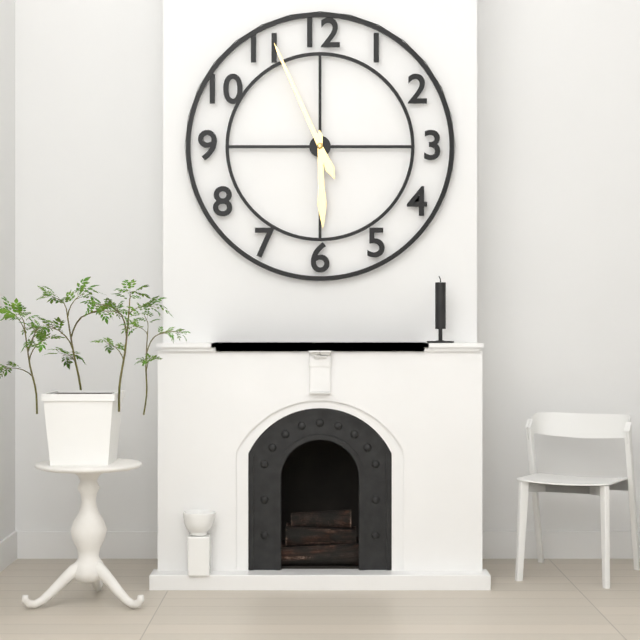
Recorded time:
5 h 56 min
